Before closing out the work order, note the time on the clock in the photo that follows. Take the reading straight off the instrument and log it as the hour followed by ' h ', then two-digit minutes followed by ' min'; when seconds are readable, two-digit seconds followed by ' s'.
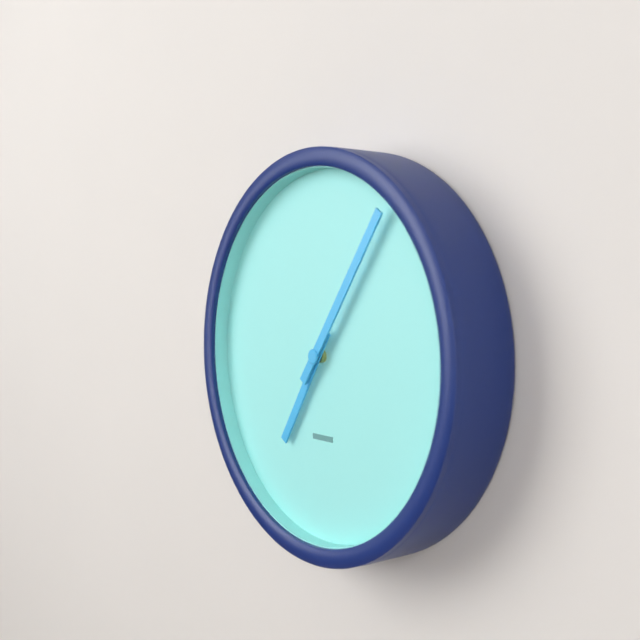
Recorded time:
7 h 06 min
